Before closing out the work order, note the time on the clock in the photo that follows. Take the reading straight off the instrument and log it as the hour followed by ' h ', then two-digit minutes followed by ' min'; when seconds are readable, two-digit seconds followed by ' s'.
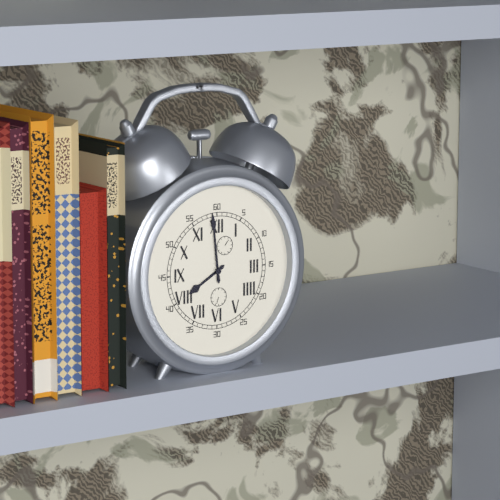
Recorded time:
7 h 59 min
